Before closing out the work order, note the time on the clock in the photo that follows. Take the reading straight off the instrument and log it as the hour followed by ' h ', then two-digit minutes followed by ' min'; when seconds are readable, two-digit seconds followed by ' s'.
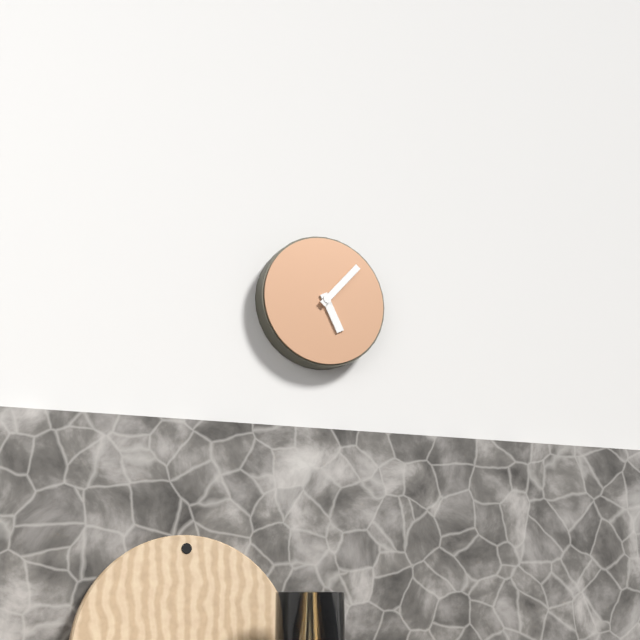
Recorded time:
5 h 07 min
